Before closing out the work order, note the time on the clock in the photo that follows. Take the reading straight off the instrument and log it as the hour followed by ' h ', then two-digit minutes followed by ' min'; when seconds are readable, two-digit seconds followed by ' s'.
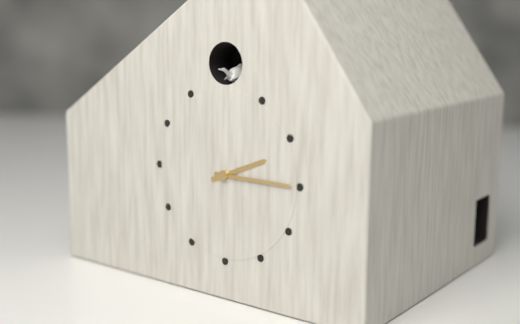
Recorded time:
2 h 15 min
